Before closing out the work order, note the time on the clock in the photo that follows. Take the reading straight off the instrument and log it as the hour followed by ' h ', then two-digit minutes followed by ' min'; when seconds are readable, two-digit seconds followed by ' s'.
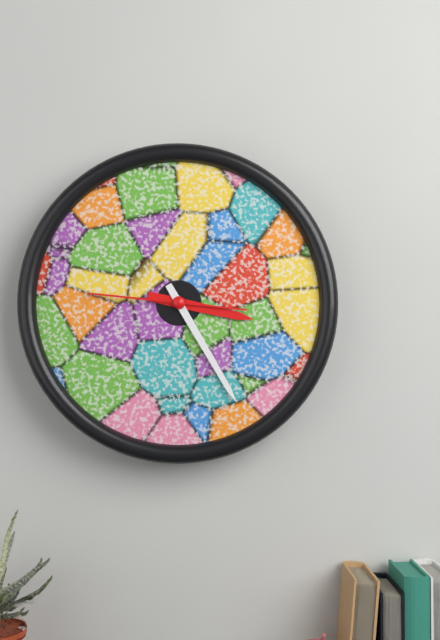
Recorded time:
3 h 25 min 46 s
